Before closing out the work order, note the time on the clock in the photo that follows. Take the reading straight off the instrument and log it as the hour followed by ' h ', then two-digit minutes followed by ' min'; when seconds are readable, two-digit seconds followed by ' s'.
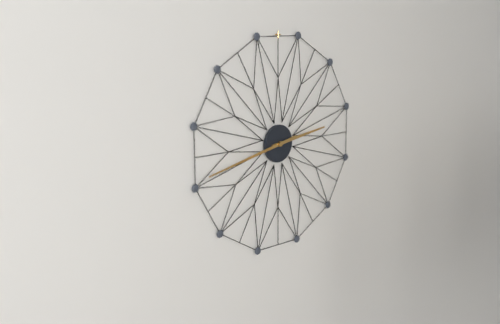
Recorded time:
2 h 43 min
